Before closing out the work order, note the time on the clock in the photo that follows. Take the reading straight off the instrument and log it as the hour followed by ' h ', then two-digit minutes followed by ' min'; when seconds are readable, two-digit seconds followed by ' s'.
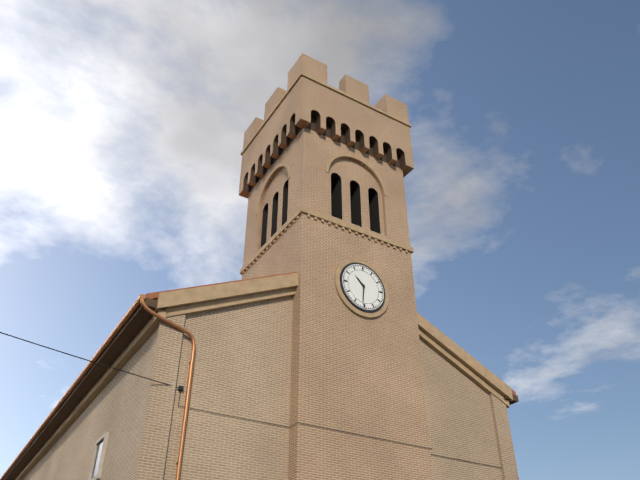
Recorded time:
10 h 31 min
